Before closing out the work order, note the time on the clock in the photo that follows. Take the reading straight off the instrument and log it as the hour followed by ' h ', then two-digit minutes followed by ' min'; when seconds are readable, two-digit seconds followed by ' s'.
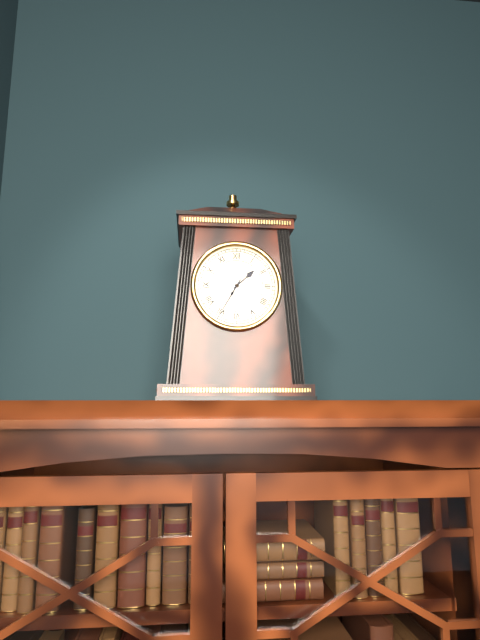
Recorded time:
1 h 35 min
